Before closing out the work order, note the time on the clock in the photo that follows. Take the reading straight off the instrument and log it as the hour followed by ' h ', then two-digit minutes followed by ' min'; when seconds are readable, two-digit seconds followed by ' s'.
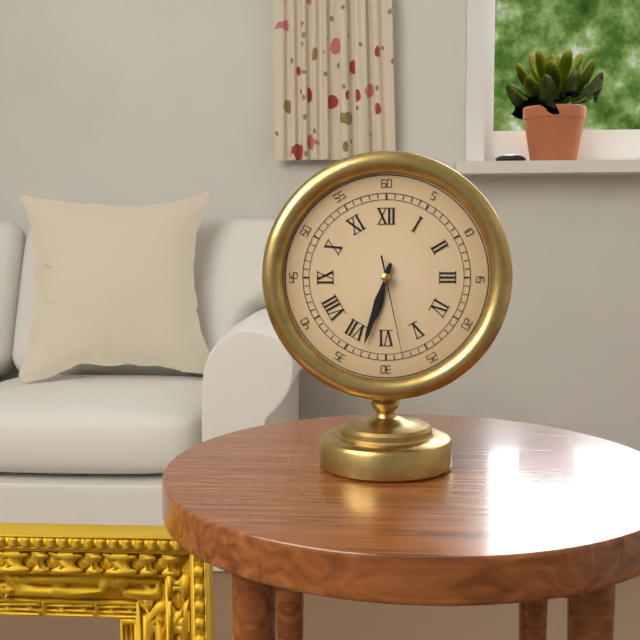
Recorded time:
6 h 33 min 28 s
